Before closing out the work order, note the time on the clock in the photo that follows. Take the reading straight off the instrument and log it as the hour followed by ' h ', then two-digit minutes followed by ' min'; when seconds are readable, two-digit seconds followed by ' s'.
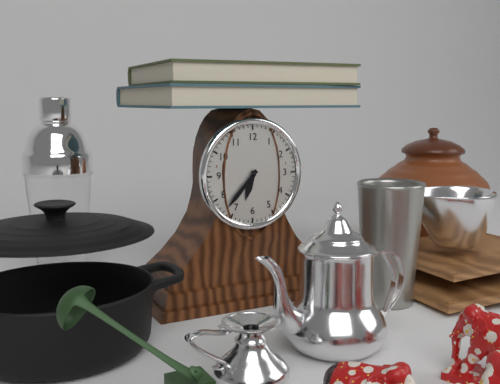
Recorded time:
6 h 37 min
